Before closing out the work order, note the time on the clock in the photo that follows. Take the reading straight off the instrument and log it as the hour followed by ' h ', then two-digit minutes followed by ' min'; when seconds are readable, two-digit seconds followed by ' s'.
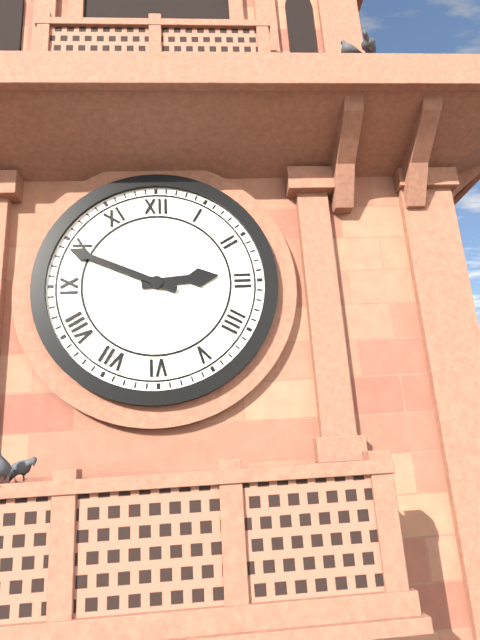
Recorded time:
2 h 49 min
